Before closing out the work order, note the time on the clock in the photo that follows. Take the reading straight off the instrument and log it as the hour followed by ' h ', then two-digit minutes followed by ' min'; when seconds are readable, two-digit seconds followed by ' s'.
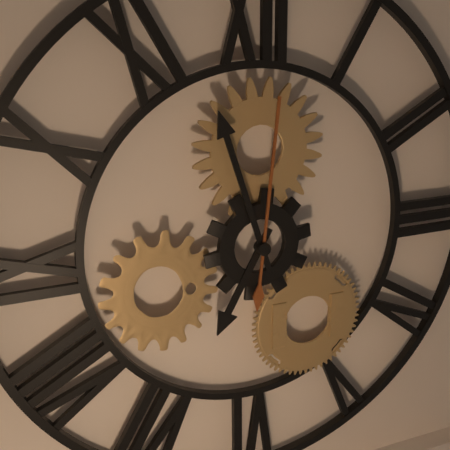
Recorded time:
6 h 57 min 01 s
